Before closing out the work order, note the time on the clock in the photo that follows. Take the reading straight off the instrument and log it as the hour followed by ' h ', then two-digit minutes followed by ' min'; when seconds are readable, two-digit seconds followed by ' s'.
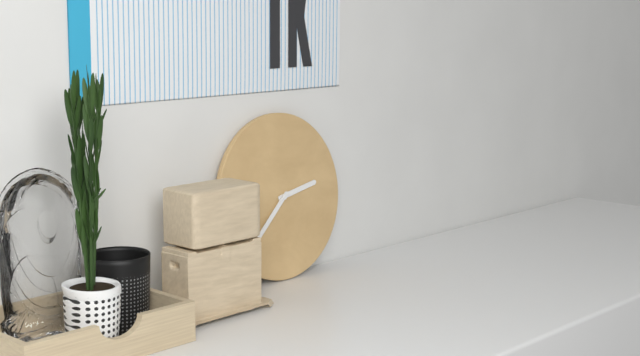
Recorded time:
2 h 38 min
